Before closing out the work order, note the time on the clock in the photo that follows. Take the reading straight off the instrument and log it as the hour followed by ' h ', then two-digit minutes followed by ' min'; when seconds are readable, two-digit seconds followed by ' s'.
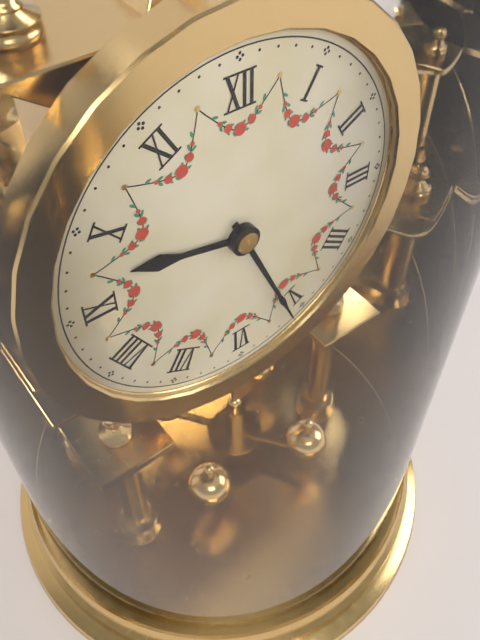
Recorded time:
9 h 26 min
